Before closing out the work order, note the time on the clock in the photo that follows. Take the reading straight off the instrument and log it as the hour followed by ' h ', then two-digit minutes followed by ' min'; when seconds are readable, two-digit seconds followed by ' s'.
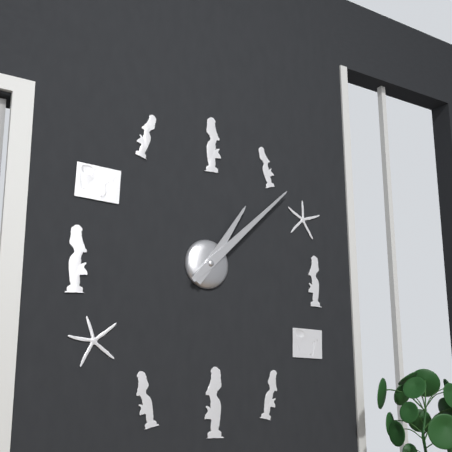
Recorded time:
1 h 08 min
